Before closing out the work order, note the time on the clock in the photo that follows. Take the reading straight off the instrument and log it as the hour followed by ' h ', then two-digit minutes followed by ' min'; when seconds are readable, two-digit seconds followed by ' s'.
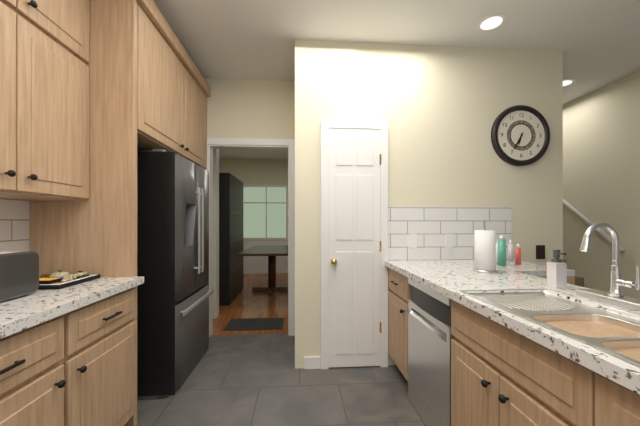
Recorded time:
6 h 35 min
